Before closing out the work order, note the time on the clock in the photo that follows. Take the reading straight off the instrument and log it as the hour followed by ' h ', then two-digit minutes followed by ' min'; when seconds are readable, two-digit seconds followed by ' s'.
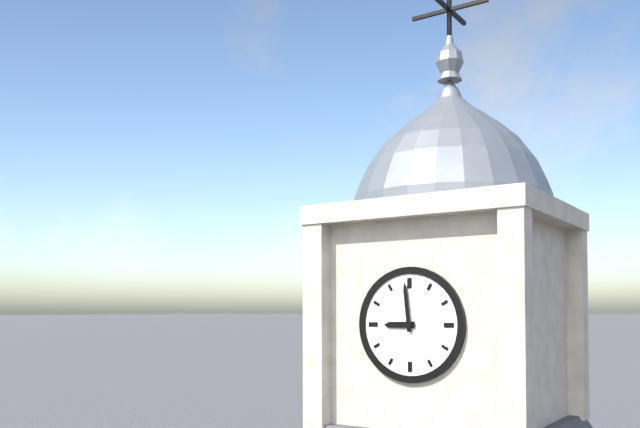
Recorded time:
8 h 59 min
